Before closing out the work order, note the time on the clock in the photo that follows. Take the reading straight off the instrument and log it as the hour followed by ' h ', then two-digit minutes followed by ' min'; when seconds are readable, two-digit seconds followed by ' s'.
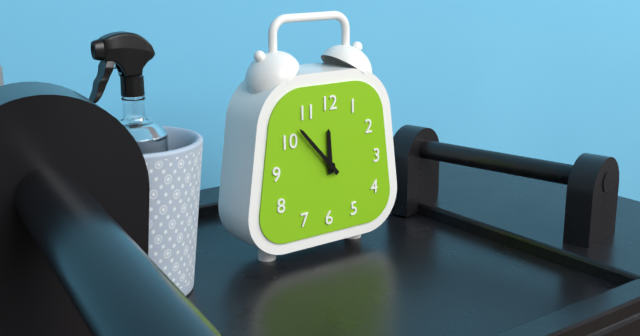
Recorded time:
11 h 53 min
